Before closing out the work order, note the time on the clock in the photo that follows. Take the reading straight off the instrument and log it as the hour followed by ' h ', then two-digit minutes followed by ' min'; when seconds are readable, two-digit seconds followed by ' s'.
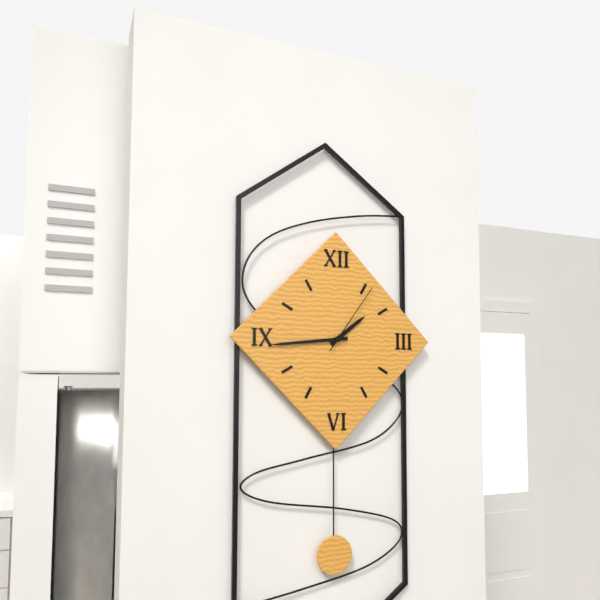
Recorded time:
1 h 44 min 06 s
